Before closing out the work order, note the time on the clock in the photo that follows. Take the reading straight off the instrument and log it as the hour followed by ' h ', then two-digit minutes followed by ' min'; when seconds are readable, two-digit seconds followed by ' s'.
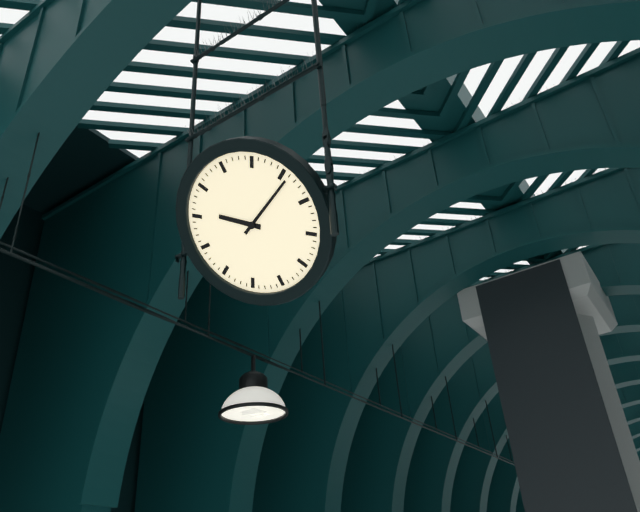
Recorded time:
10 h 11 min
